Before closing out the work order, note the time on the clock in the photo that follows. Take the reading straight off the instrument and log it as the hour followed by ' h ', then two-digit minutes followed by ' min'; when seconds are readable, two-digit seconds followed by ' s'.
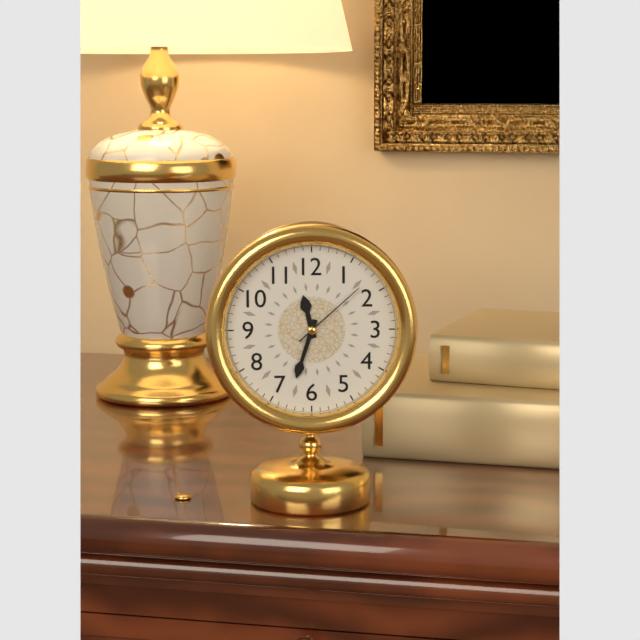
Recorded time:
11 h 33 min 08 s
